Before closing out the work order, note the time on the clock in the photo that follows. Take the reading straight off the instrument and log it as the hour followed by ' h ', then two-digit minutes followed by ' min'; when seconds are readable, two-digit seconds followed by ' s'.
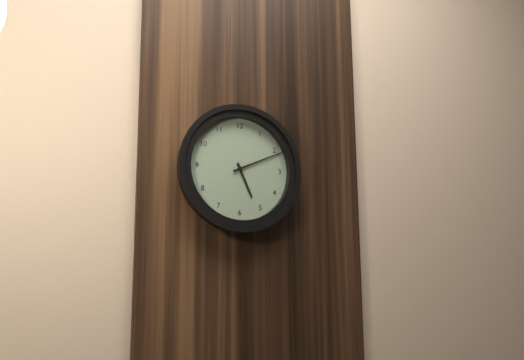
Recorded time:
5 h 11 min
